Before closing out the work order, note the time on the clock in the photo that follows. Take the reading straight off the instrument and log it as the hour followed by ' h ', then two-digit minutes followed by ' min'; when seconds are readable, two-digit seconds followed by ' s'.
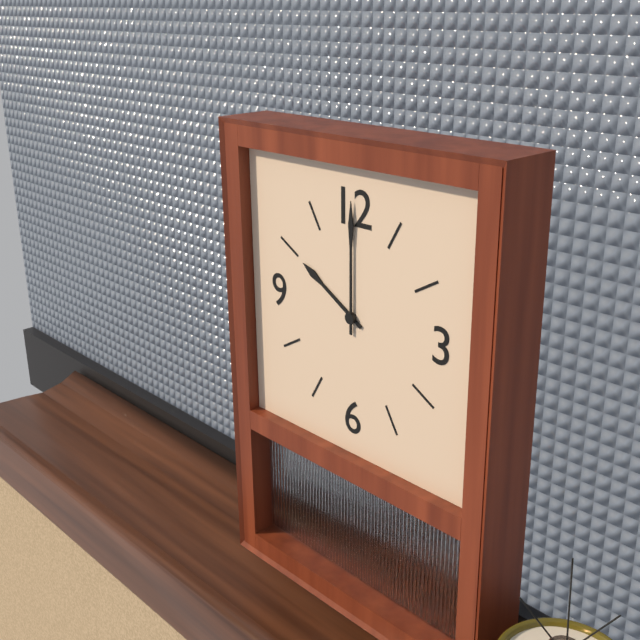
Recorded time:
10 h 00 min
